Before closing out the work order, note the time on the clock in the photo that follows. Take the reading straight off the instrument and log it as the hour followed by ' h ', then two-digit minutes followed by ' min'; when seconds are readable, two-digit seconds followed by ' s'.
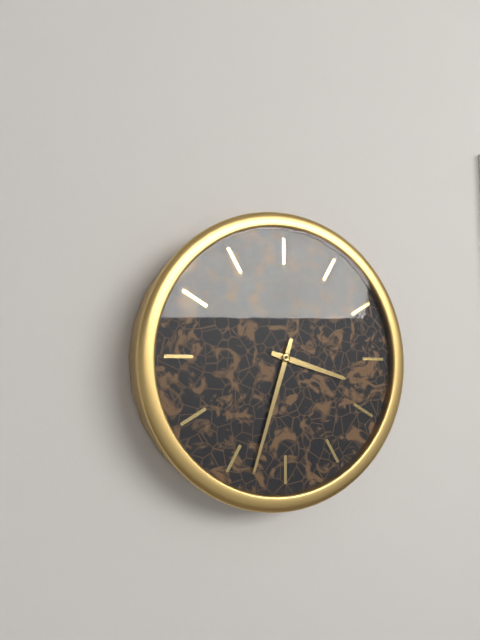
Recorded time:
3 h 33 min
